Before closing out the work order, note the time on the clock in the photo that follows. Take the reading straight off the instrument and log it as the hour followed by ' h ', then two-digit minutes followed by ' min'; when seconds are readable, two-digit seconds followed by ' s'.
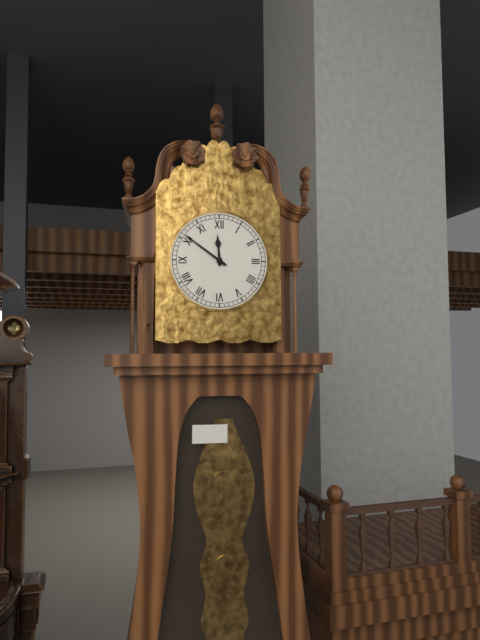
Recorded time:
11 h 51 min
